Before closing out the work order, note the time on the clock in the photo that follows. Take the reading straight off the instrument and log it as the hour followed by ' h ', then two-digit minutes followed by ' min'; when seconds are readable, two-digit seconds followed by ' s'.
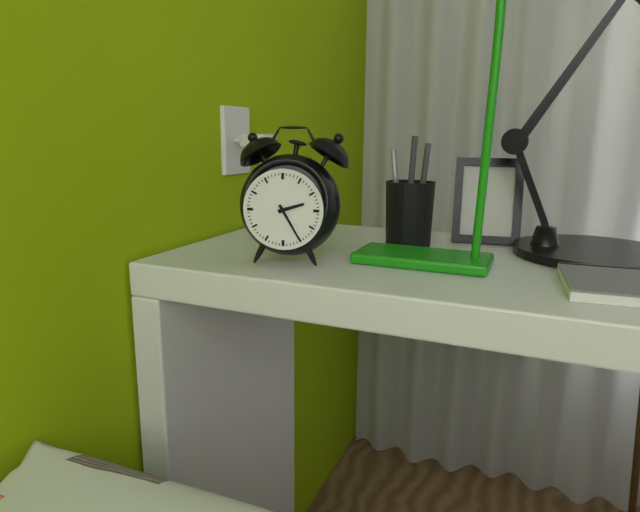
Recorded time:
2 h 25 min
